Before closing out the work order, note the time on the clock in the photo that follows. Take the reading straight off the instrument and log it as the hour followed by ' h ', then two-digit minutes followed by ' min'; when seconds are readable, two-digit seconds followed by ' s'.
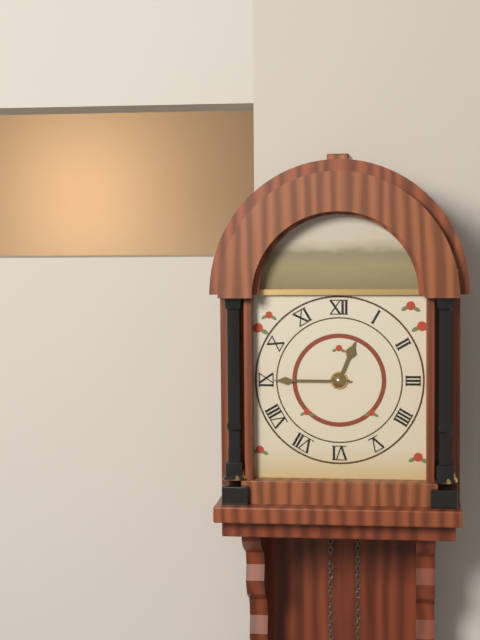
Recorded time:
12 h 45 min
